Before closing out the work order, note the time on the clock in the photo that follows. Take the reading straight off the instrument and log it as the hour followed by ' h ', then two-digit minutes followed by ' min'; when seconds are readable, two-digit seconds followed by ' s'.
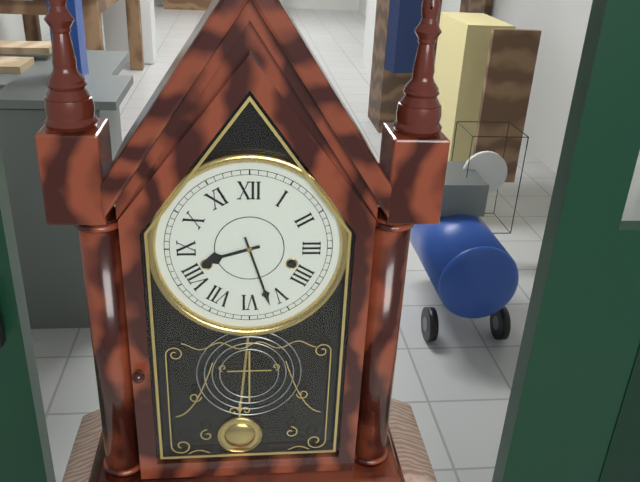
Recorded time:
8 h 27 min
